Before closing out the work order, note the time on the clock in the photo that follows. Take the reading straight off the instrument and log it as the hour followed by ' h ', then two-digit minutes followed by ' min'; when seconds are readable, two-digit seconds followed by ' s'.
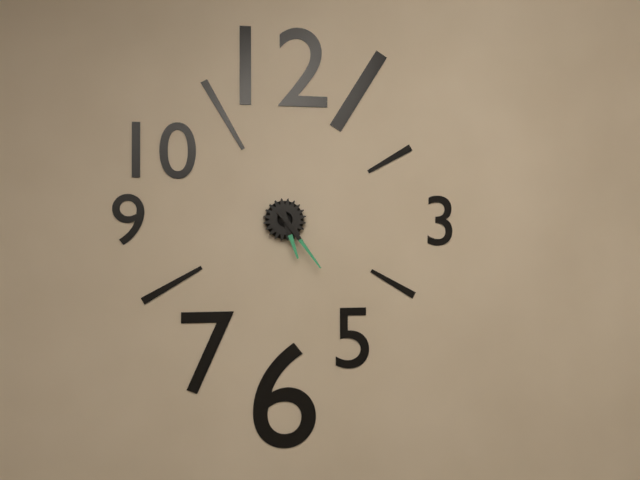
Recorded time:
5 h 24 min
